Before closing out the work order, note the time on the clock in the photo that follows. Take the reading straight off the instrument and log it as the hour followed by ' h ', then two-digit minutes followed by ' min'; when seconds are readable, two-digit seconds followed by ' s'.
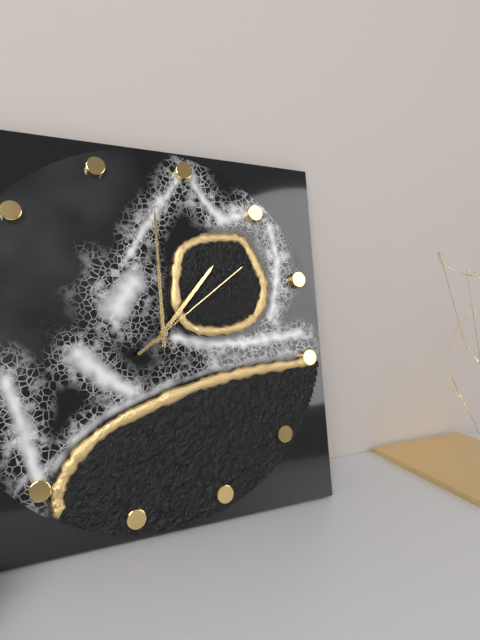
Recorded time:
12 h 58 min 07 s
